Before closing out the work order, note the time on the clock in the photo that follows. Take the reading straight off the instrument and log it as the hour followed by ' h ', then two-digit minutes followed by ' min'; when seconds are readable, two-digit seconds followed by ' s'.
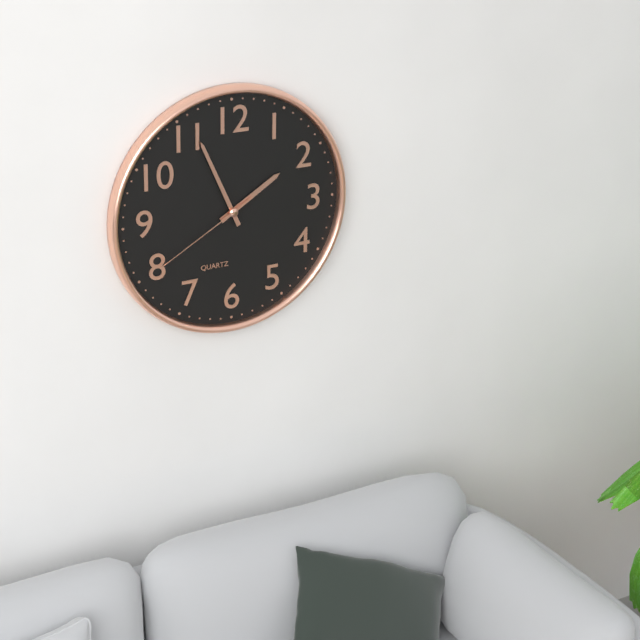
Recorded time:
1 h 56 min 40 s
